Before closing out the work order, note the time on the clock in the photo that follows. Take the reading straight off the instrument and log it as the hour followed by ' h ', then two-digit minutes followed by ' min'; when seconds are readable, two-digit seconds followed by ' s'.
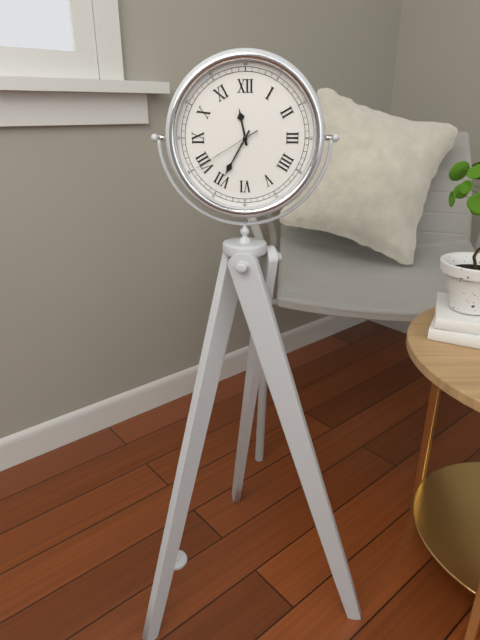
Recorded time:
11 h 35 min 40 s
